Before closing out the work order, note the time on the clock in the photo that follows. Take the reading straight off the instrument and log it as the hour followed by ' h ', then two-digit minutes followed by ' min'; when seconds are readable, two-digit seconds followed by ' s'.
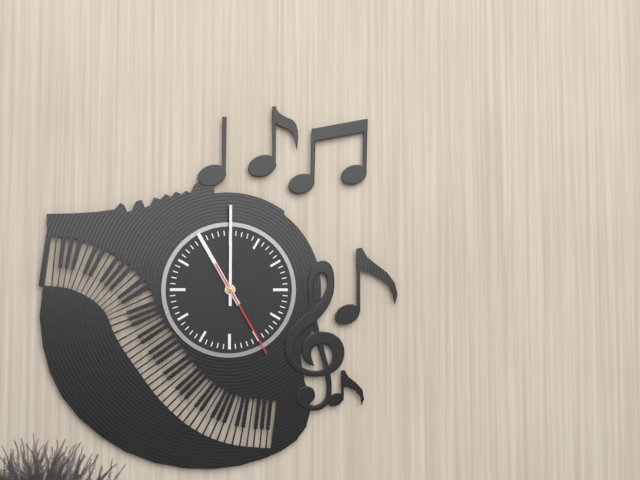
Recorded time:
11 h 00 min 25 s
